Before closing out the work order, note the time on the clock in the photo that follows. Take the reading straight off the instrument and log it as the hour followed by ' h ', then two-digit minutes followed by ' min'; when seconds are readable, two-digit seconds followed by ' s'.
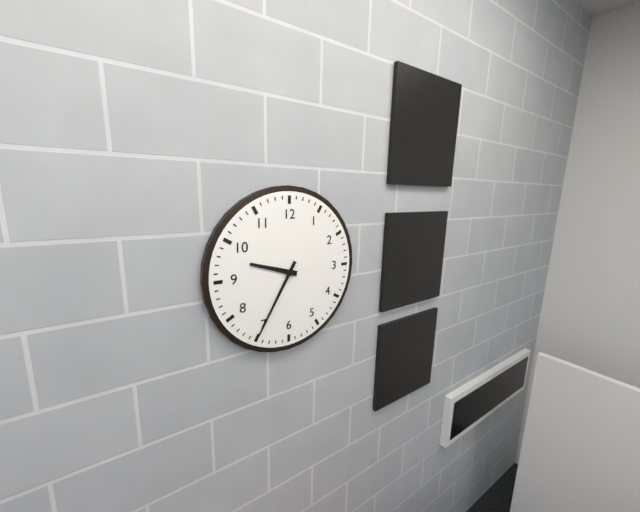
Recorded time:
9 h 35 min
